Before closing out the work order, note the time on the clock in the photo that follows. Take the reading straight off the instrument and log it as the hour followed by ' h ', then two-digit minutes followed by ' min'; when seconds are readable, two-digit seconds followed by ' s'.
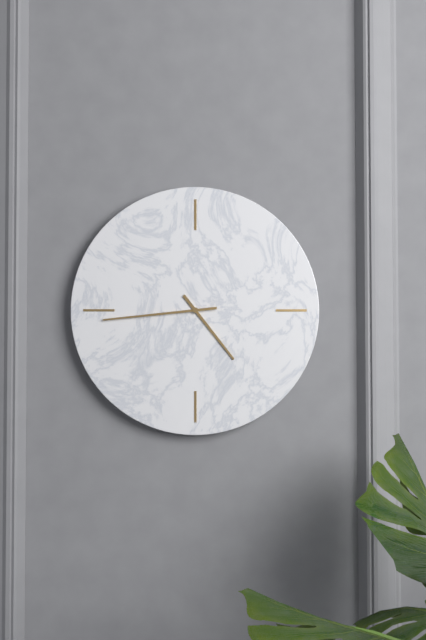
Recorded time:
4 h 44 min
